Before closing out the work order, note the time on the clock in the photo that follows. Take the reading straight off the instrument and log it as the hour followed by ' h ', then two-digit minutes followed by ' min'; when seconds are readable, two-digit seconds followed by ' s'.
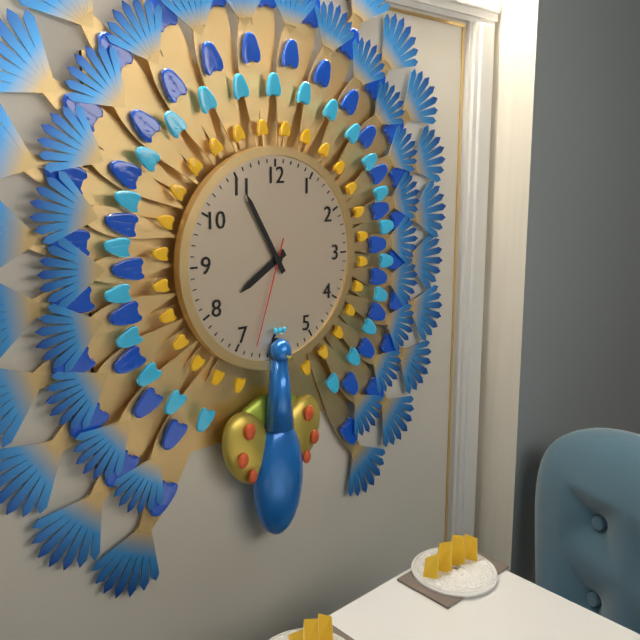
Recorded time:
7 h 55 min 33 s
